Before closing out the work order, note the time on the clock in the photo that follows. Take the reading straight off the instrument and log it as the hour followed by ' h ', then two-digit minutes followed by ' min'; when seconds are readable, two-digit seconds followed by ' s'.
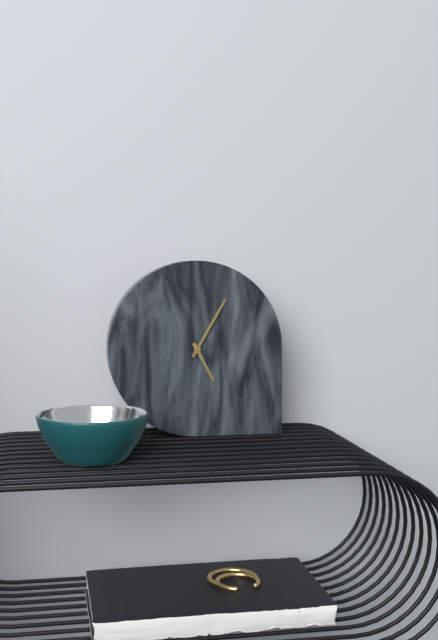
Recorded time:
5 h 05 min
